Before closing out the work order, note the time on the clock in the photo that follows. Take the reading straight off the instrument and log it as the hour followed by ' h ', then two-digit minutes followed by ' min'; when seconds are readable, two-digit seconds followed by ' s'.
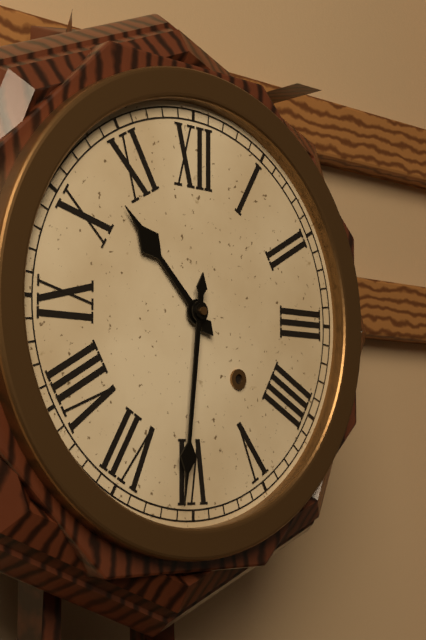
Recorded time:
10 h 31 min
